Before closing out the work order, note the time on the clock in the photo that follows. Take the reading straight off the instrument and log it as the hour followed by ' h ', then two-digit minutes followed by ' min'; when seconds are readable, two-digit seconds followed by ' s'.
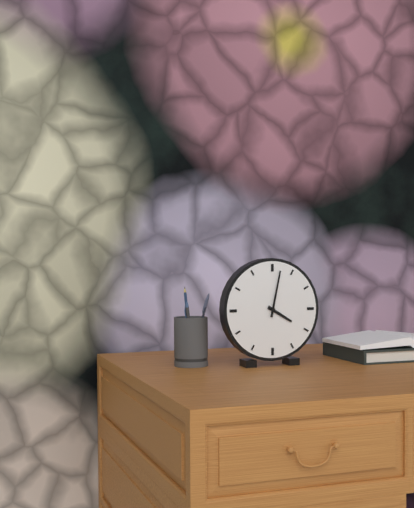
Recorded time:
4 h 02 min
